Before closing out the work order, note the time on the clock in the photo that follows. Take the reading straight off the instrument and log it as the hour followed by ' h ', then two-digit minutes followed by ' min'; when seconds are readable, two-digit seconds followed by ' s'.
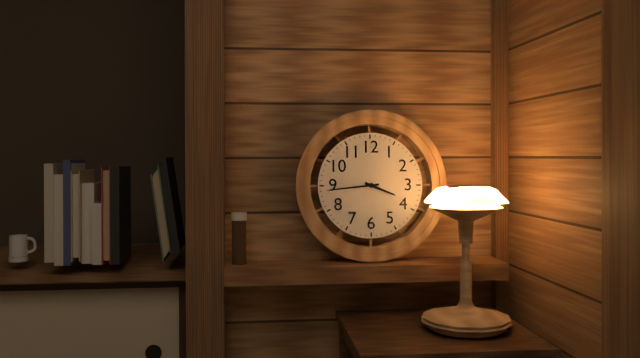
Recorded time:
3 h 44 min
